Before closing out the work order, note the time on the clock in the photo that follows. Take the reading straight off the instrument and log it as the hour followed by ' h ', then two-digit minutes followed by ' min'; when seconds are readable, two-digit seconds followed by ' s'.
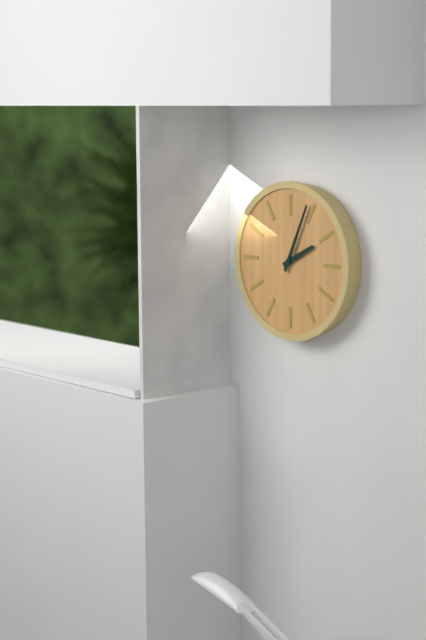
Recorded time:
2 h 04 min
